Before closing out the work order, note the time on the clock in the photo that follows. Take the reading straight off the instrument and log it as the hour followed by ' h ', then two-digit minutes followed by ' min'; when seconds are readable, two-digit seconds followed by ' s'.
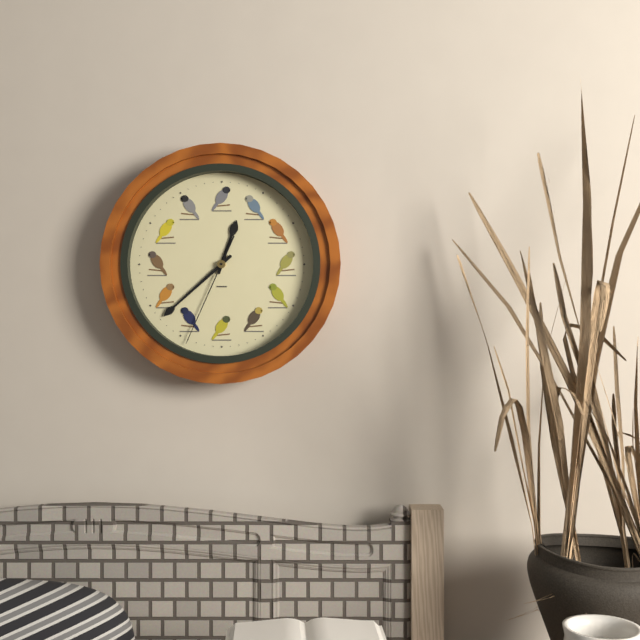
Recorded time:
12 h 38 min 34 s
